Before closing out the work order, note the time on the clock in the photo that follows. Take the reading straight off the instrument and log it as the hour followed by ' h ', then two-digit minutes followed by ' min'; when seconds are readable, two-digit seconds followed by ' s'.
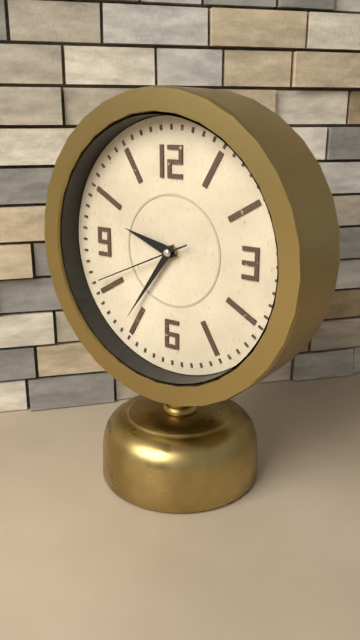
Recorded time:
9 h 36 min 41 s
